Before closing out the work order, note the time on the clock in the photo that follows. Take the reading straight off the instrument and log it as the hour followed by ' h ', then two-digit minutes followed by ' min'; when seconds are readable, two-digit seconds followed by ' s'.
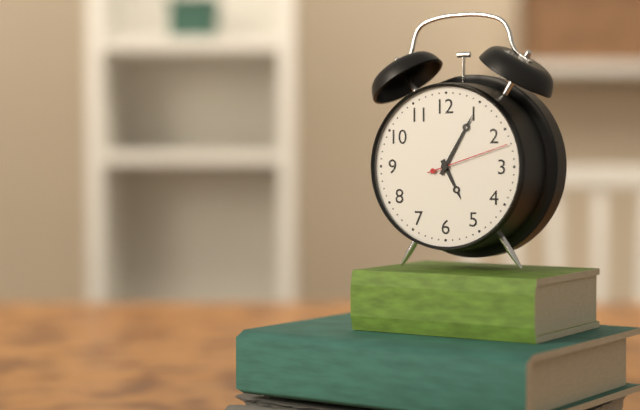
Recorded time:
5 h 05 min 12 s
